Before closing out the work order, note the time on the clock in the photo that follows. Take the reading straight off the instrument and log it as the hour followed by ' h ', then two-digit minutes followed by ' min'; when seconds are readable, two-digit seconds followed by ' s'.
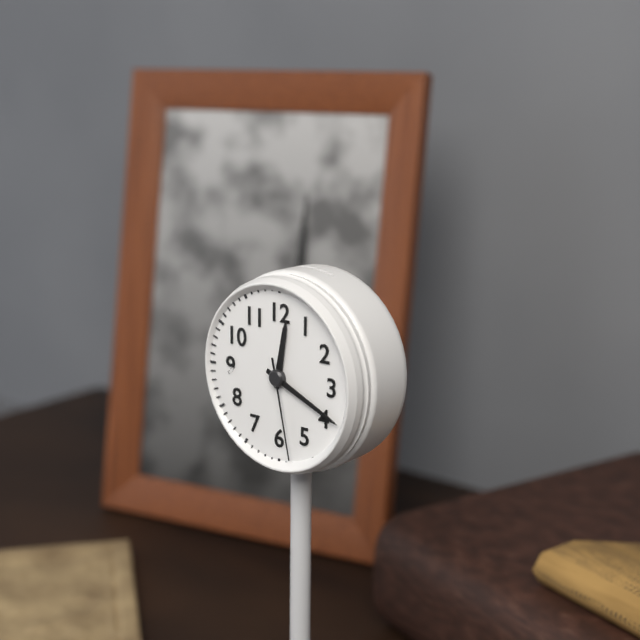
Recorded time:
12 h 19 min 28 s
